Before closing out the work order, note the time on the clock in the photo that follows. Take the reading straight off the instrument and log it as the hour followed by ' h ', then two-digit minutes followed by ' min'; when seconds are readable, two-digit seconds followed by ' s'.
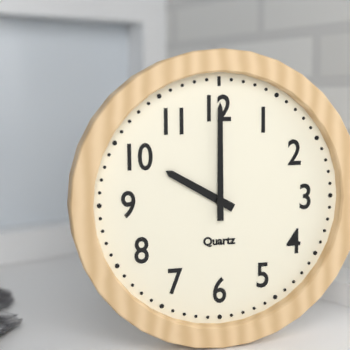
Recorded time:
10 h 00 min
